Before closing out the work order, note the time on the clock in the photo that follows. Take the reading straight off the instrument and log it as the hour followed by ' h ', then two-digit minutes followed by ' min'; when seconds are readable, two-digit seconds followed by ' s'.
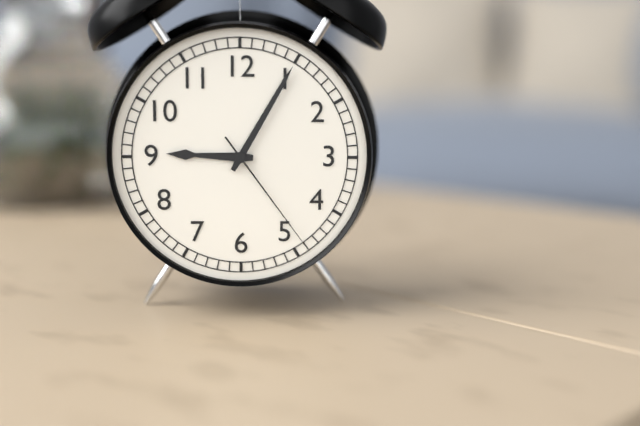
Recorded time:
9 h 05 min 24 s
